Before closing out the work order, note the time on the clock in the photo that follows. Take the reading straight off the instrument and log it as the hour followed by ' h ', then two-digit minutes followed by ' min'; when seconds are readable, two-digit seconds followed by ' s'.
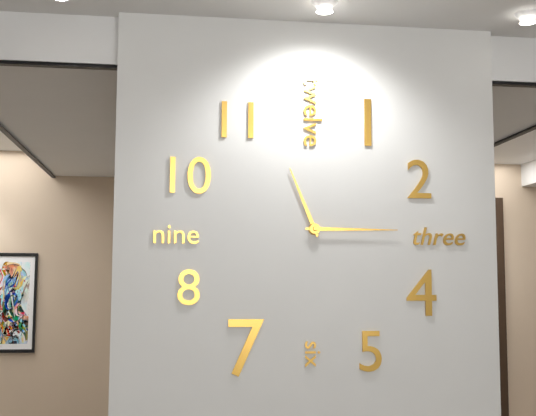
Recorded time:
11 h 15 min
